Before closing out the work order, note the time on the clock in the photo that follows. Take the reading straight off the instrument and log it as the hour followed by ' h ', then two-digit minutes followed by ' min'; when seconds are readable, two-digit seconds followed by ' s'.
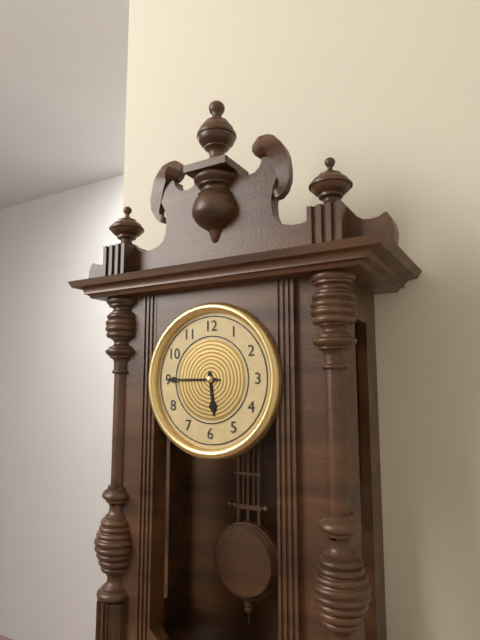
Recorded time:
5 h 45 min
